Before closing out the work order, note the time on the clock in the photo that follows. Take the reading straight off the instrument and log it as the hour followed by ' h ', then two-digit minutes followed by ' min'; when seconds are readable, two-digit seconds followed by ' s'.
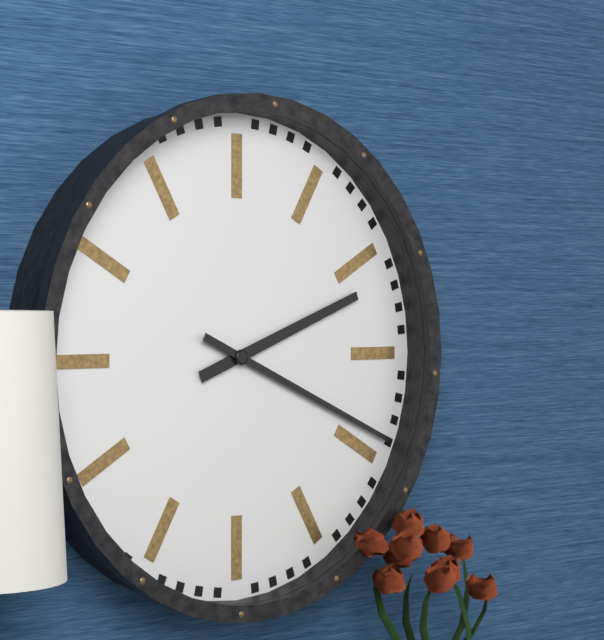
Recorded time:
2 h 19 min
